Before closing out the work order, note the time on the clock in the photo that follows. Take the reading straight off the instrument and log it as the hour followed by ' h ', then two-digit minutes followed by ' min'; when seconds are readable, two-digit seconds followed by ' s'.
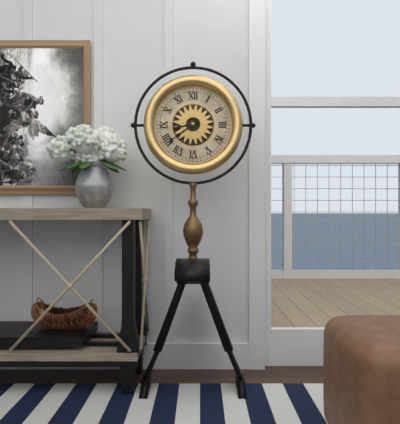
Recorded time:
8 h 39 min
